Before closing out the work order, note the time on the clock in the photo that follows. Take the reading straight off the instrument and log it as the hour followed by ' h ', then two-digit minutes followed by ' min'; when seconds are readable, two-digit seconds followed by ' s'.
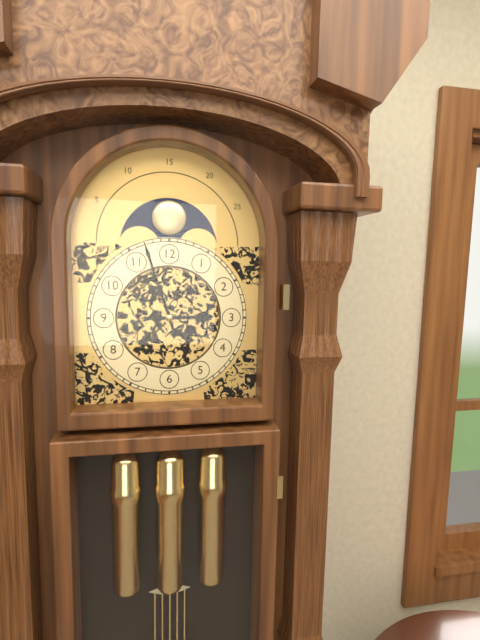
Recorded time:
2 h 57 min
